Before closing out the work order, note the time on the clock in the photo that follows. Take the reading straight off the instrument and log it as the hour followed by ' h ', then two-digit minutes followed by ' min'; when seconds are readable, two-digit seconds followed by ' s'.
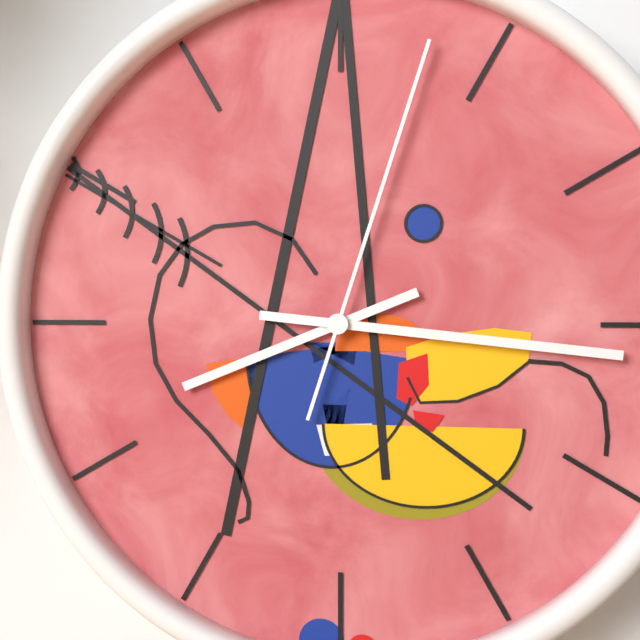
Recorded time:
8 h 16 min 03 s
